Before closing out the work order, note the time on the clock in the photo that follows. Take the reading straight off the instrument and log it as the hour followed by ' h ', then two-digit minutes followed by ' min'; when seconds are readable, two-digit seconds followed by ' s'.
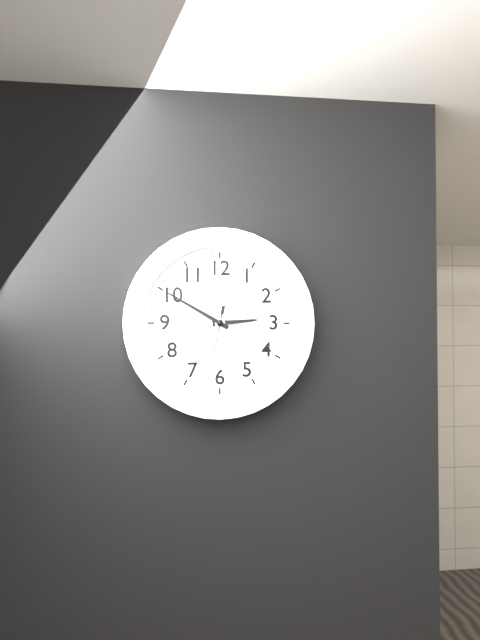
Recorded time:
2 h 50 min 32 s
